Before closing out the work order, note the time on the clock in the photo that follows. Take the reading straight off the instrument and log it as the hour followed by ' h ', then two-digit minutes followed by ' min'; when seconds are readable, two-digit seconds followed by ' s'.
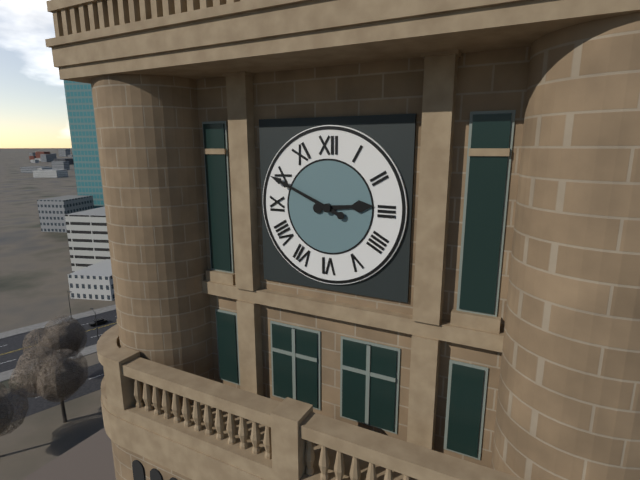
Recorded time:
2 h 49 min
